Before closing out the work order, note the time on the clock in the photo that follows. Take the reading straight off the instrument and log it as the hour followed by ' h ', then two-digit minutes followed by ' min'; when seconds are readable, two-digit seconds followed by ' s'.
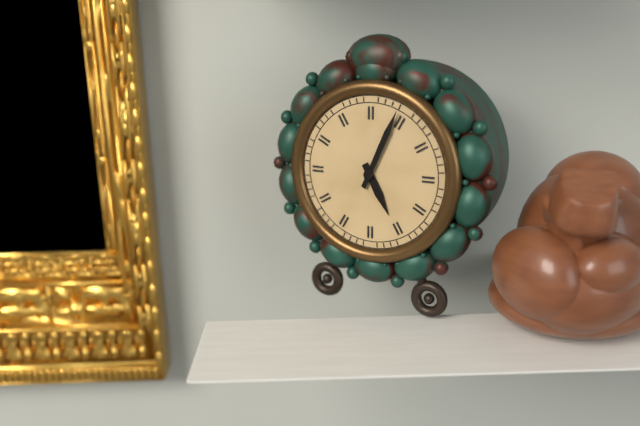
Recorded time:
5 h 04 min
